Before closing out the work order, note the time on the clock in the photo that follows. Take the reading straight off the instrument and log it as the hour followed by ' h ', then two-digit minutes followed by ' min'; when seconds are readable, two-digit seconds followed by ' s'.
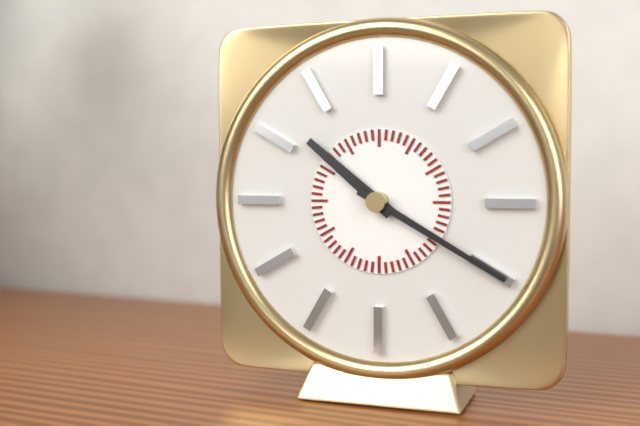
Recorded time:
10 h 20 min
